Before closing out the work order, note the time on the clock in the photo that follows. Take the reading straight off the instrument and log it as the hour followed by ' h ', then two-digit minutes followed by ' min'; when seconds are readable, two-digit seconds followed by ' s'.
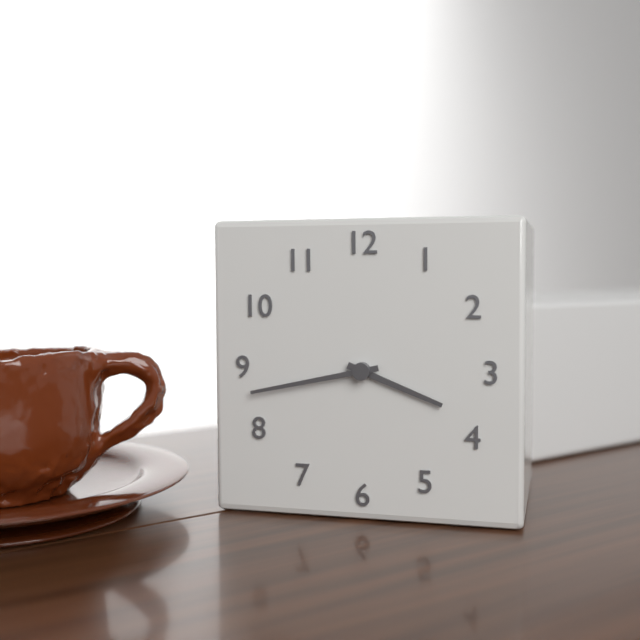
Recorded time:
3 h 43 min
